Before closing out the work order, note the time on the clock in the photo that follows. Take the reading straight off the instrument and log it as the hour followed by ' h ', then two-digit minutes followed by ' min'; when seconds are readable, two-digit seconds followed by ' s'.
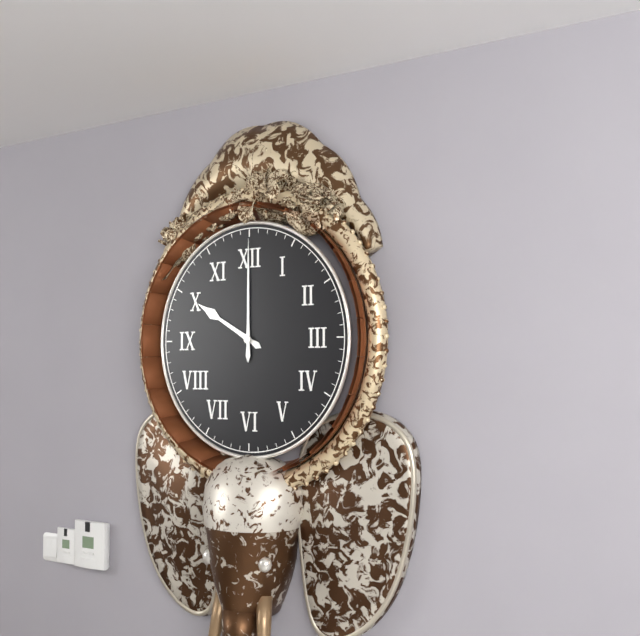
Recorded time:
10 h 00 min
